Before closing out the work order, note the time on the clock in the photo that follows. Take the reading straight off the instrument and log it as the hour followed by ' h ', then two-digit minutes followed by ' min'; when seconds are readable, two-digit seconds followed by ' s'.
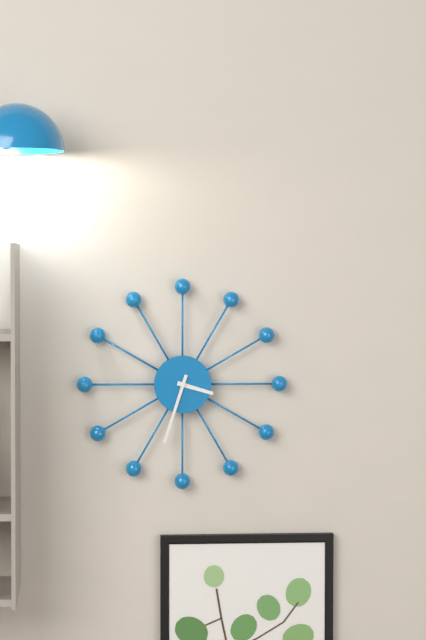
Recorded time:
3 h 33 min
